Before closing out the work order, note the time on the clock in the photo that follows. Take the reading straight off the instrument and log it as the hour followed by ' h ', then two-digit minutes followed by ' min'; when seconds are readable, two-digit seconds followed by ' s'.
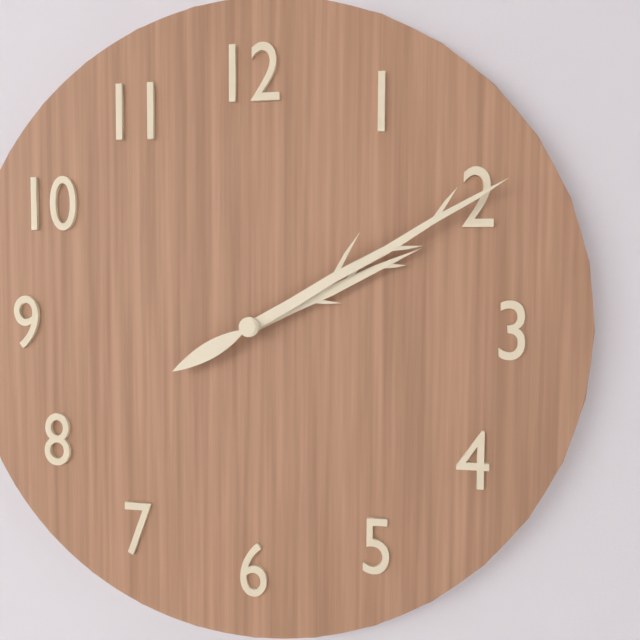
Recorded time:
2 h 10 min
